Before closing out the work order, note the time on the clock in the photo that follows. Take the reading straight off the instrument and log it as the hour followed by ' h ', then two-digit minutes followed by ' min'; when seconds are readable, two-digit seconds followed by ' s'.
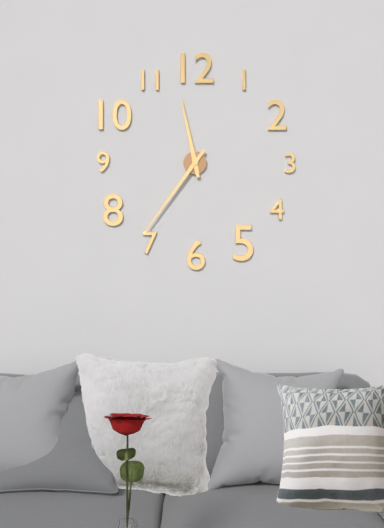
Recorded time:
11 h 36 min
